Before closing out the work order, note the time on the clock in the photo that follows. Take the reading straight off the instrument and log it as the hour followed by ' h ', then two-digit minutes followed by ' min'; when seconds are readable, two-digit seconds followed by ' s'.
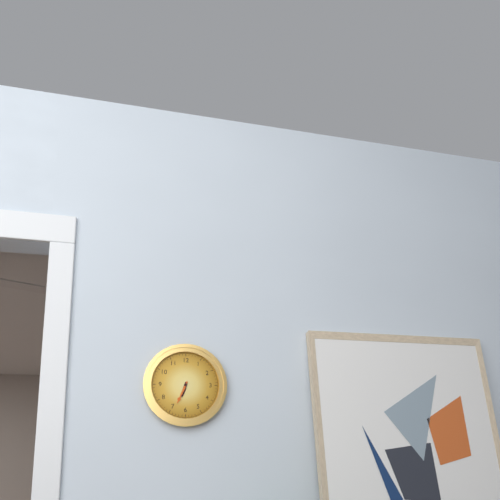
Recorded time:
6 h 34 min
